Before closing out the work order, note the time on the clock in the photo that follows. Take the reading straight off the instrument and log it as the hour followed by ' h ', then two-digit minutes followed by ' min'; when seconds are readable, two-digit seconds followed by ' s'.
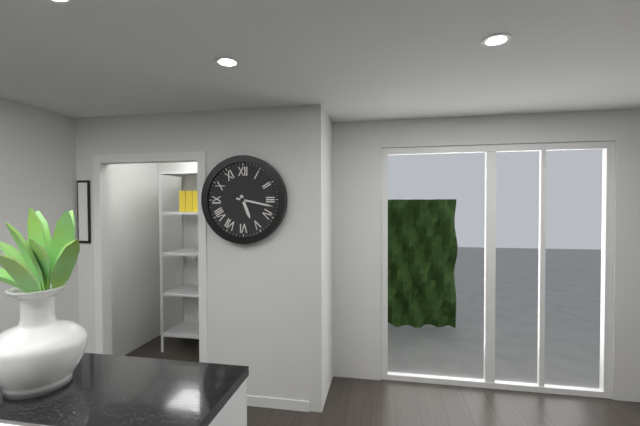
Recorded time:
5 h 17 min
